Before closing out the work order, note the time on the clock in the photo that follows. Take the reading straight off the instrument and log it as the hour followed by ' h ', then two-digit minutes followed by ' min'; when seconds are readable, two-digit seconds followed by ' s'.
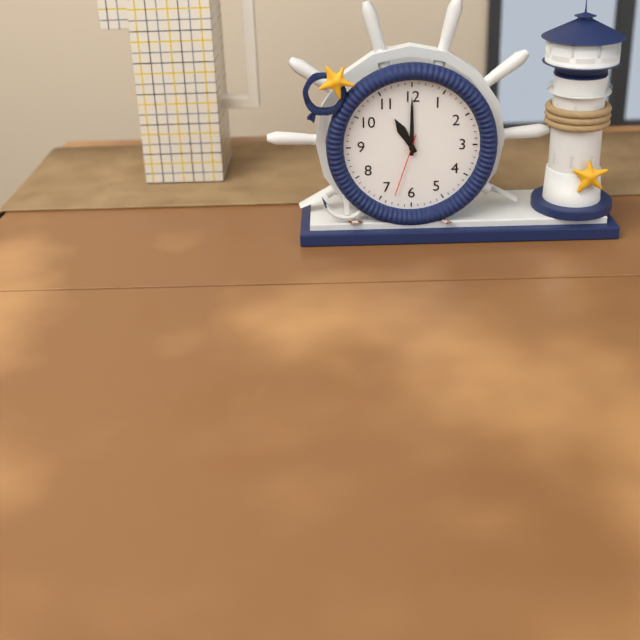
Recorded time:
11 h 00 min 33 s
